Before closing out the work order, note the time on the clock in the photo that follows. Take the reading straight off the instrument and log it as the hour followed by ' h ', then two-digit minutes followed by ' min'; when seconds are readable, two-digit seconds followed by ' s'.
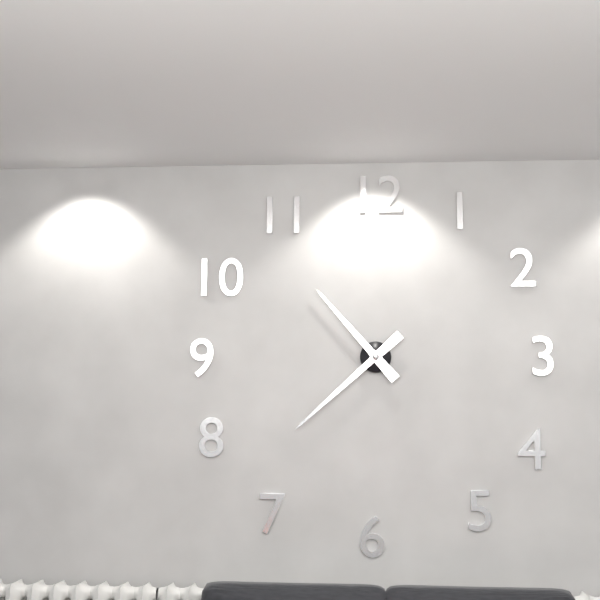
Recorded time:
10 h 38 min
